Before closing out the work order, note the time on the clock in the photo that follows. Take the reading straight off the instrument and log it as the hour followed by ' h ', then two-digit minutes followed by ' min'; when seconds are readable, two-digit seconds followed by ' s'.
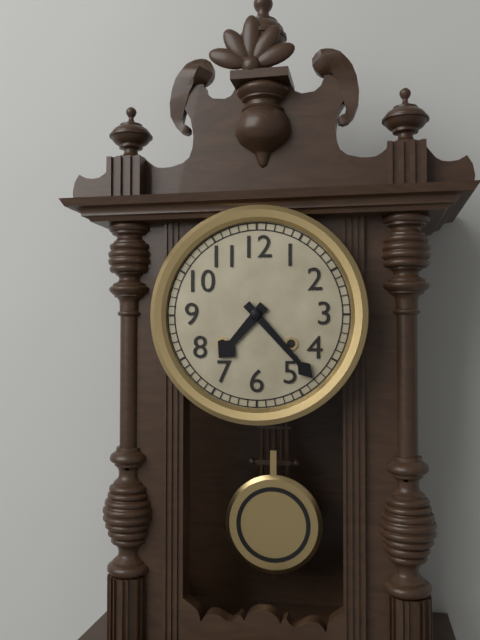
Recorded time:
7 h 23 min
